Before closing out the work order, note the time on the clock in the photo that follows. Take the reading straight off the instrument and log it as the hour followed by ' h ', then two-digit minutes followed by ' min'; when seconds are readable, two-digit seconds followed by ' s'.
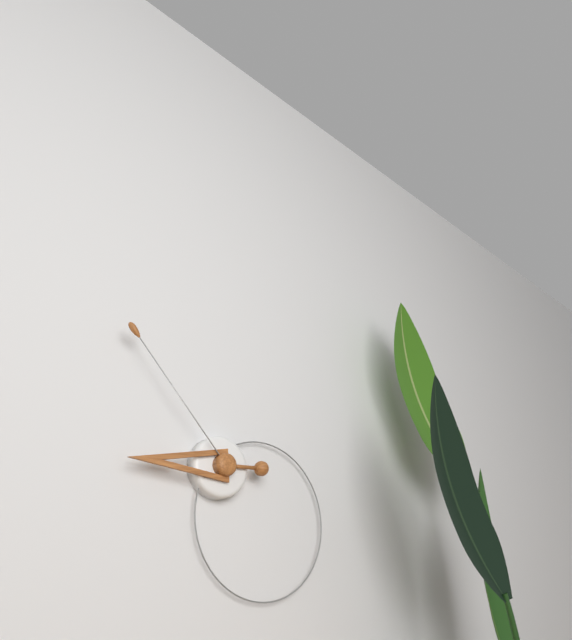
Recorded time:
8 h 53 min
